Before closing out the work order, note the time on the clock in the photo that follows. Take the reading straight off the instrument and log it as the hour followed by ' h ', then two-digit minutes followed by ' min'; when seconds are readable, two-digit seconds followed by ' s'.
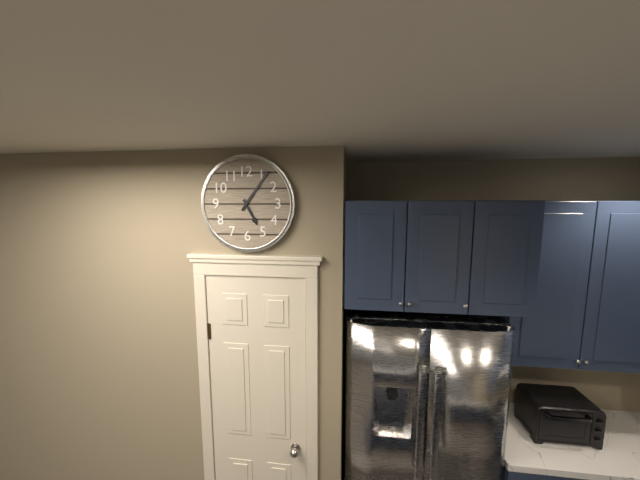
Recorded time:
5 h 06 min
